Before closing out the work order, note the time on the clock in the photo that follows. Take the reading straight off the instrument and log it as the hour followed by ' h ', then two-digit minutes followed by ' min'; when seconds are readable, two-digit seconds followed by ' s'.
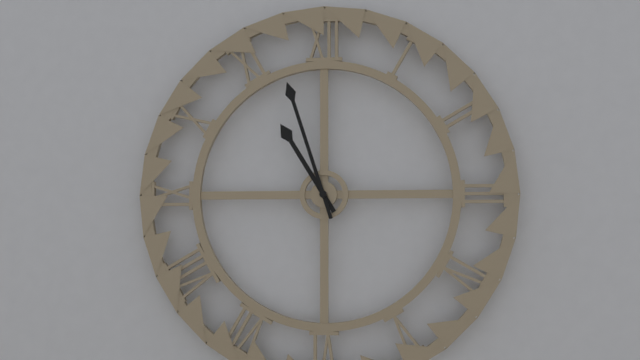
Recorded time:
10 h 57 min
